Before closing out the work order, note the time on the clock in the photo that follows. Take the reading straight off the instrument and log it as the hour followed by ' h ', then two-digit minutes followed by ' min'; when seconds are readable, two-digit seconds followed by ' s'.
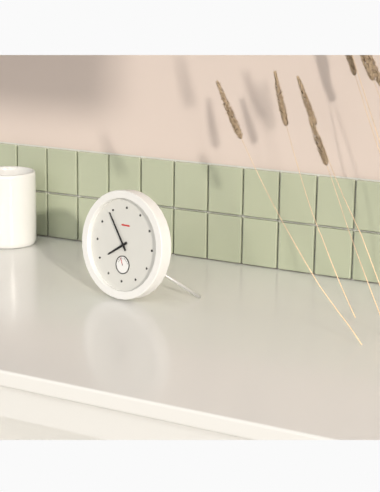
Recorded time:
7 h 54 min
